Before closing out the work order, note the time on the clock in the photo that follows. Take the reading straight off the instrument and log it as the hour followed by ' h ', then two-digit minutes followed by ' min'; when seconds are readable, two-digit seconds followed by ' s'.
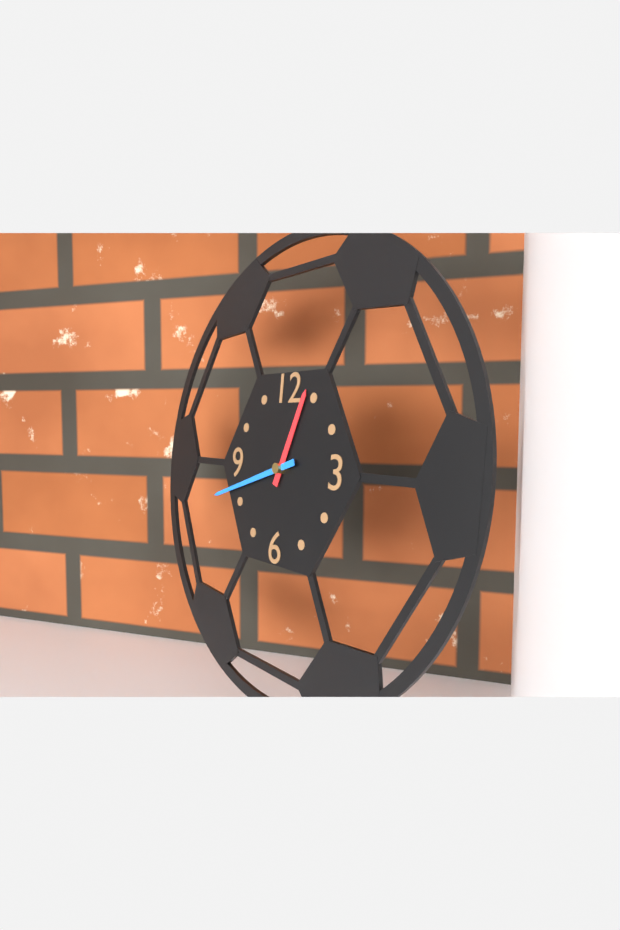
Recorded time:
12 h 42 min
